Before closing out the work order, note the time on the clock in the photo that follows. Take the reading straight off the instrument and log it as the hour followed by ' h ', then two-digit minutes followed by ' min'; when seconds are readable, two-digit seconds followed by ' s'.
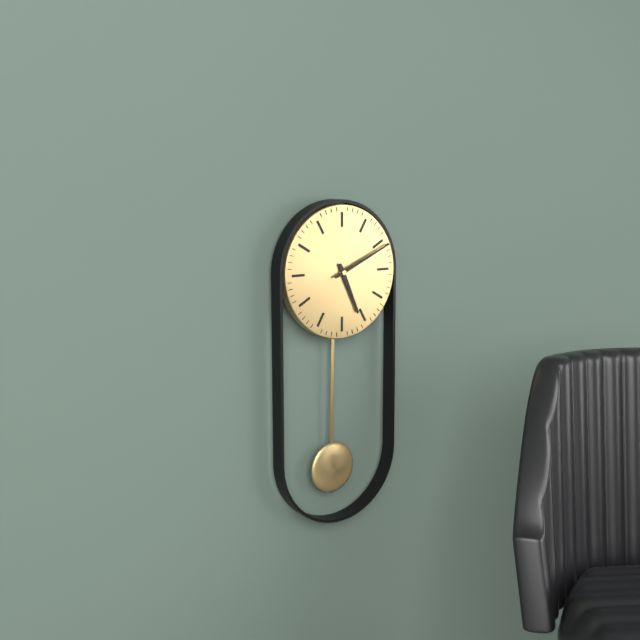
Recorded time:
5 h 11 min
